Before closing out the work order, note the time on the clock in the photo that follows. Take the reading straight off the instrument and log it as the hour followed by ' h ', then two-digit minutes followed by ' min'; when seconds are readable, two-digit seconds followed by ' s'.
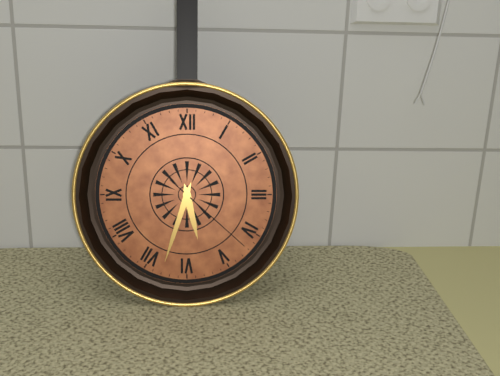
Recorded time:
5 h 33 min 22 s
